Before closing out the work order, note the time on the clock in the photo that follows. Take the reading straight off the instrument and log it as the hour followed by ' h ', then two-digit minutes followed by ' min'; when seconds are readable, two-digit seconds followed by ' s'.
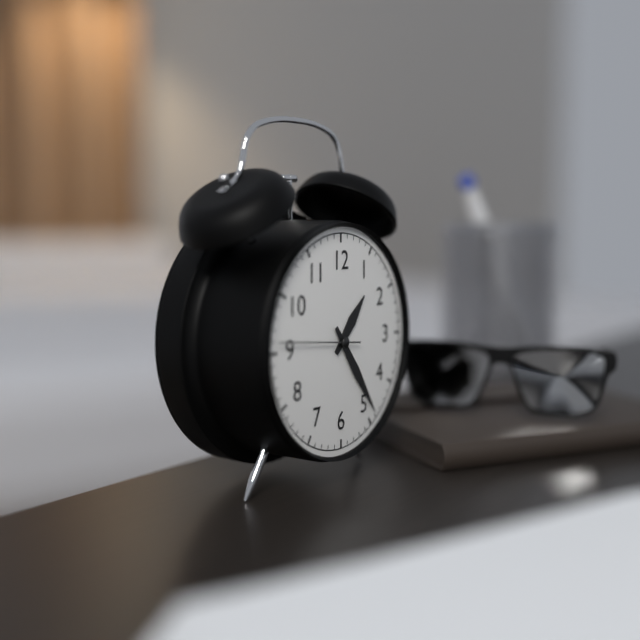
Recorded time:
1 h 24 min 46 s
